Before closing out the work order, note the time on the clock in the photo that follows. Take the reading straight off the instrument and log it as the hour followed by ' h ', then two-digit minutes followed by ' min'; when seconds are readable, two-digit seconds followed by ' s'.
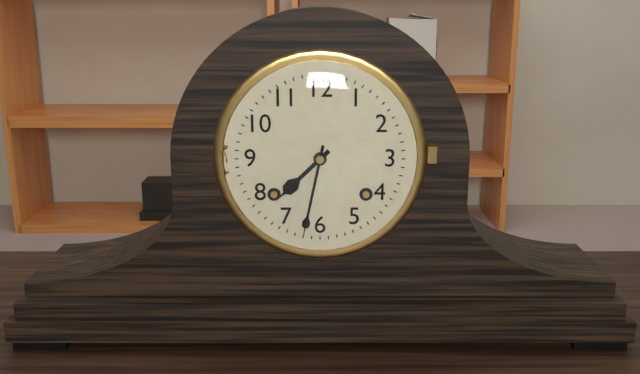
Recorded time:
7 h 32 min
